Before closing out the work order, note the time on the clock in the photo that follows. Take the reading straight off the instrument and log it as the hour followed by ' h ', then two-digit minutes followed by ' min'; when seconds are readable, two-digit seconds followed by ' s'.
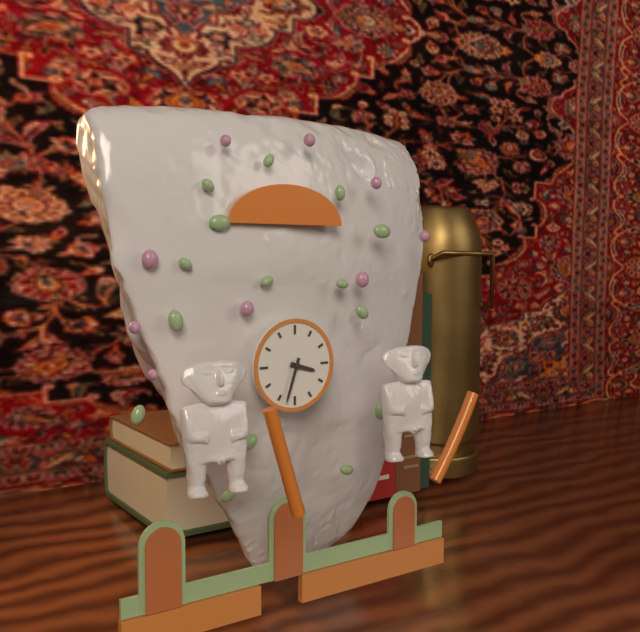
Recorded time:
3 h 33 min
